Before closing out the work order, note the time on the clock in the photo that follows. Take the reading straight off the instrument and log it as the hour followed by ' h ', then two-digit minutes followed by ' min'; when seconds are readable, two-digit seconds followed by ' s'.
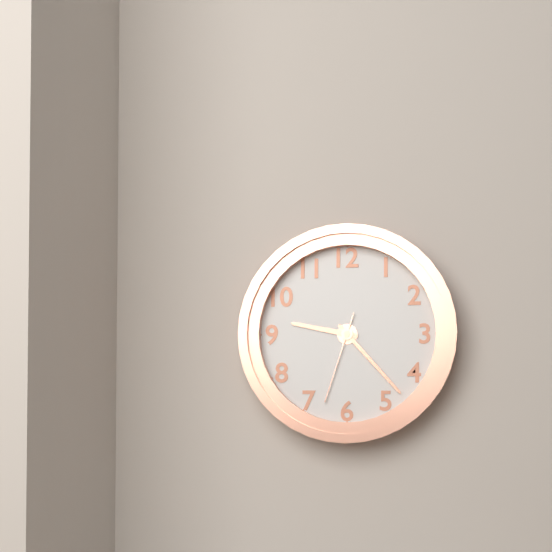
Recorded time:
9 h 23 min 33 s
